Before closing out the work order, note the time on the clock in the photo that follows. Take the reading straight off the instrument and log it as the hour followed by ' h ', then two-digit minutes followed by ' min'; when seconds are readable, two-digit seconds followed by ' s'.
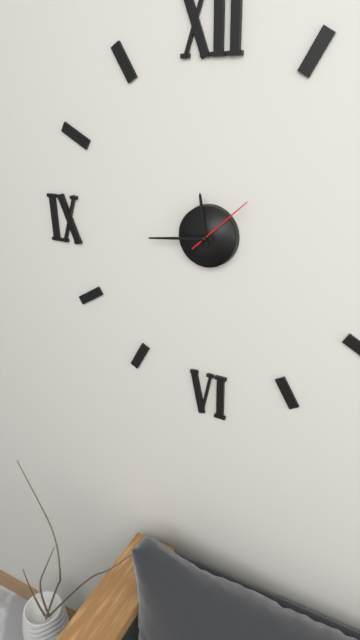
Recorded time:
11 h 44 min 08 s
